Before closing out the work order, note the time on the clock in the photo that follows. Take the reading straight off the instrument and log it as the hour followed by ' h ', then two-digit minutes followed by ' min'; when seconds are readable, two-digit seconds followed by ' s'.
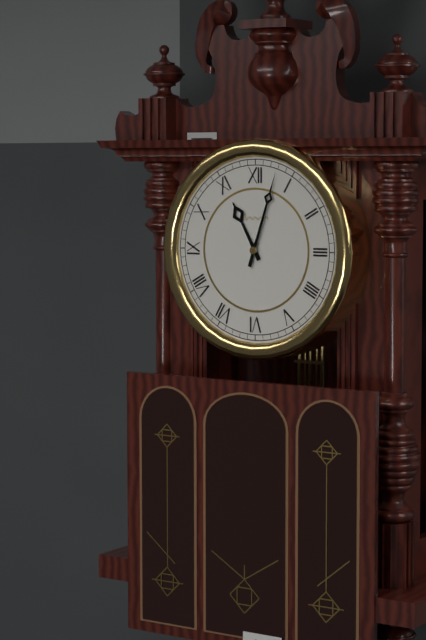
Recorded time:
11 h 03 min
